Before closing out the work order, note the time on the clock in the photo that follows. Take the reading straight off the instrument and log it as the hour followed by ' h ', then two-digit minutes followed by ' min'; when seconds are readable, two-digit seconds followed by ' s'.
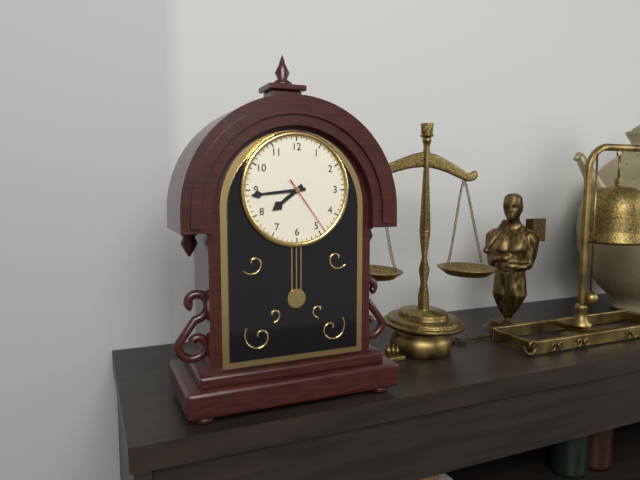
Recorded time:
7 h 44 min 24 s
